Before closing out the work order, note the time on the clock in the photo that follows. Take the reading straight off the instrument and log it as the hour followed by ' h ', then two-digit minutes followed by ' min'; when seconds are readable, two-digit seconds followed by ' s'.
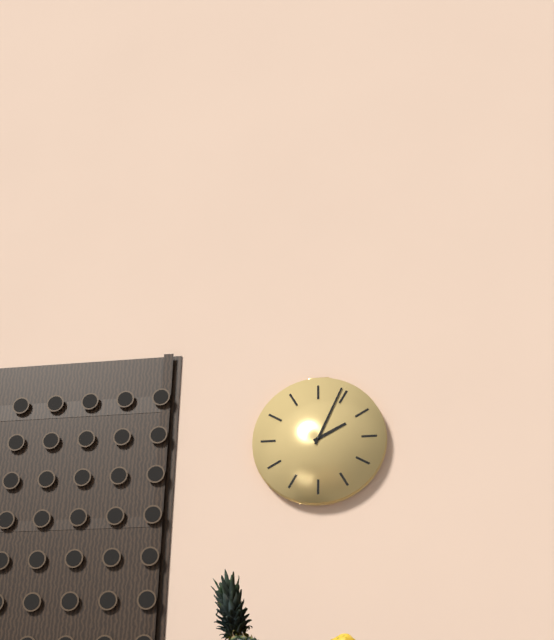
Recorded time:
2 h 04 min
